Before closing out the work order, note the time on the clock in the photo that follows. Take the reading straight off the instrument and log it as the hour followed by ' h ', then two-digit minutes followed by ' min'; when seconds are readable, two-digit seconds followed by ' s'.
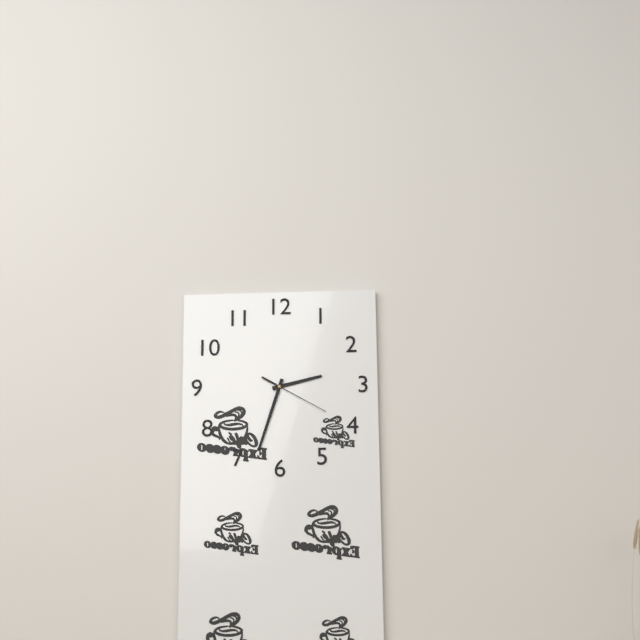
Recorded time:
2 h 33 min 20 s
